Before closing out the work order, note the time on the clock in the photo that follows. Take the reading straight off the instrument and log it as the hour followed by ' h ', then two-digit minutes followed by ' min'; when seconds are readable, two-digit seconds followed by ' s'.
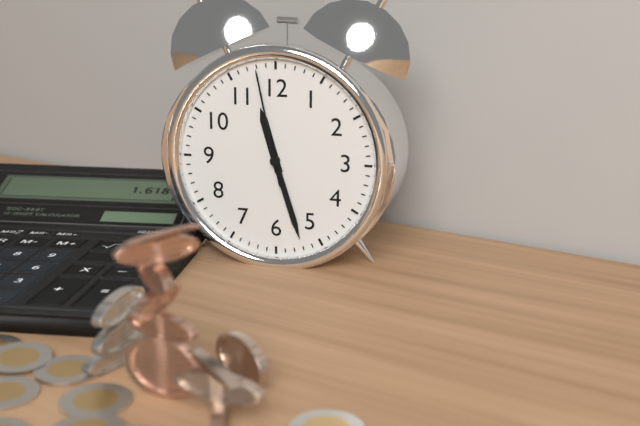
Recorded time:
11 h 27 min 58 s
